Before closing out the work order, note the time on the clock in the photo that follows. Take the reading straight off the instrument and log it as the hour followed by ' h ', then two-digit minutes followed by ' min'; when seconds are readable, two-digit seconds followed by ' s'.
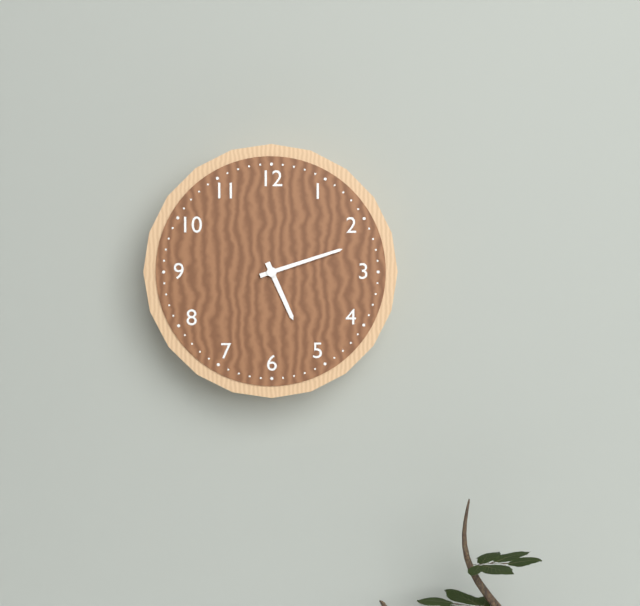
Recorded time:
5 h 12 min
